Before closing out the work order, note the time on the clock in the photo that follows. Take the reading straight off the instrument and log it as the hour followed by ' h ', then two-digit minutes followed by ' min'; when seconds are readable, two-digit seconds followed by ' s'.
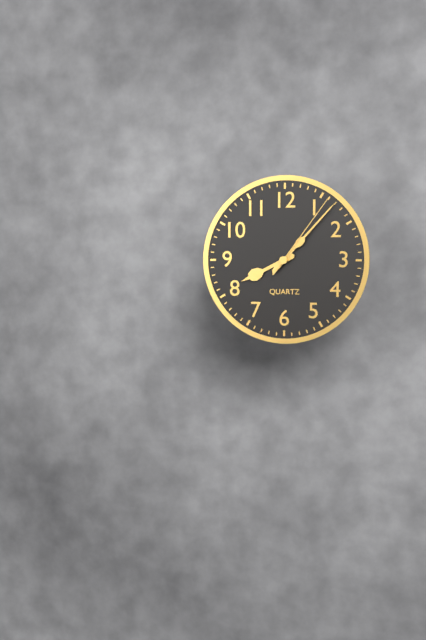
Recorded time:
8 h 07 min 06 s
